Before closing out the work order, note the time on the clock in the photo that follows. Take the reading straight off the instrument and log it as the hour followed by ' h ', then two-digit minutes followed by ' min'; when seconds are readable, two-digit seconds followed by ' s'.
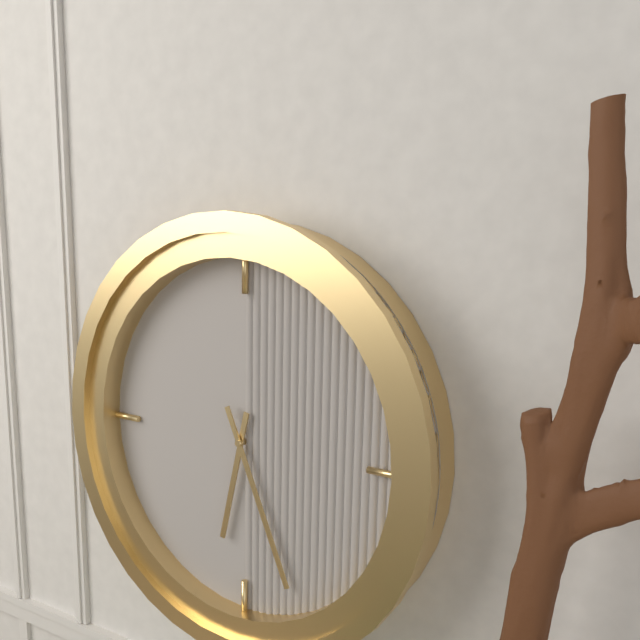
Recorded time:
6 h 26 min
